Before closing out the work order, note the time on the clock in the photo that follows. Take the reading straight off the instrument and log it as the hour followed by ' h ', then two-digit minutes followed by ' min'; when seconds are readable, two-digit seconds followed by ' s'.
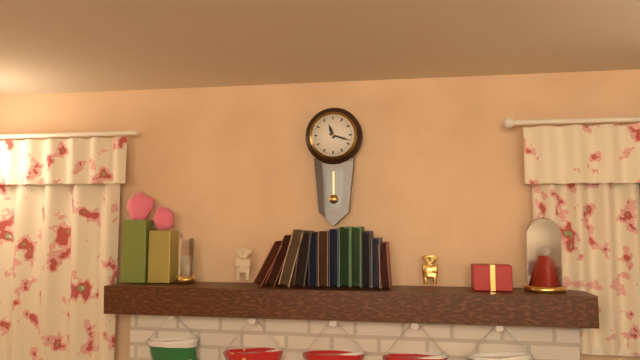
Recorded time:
11 h 18 min
